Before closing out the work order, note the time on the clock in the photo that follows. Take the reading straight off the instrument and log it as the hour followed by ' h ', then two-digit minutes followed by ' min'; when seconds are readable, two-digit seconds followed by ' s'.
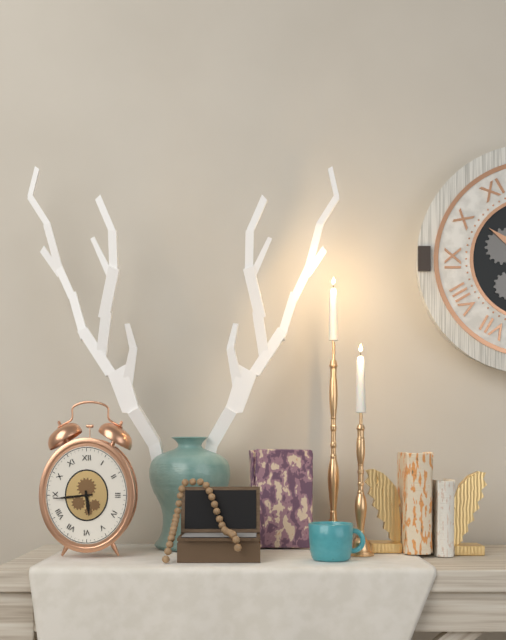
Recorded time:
5 h 44 min
